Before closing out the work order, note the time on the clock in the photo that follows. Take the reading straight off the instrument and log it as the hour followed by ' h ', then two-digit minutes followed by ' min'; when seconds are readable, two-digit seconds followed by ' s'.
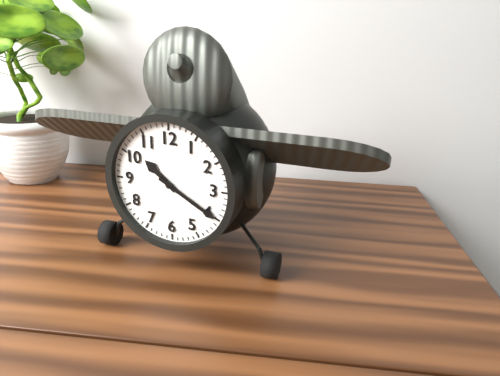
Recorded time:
10 h 20 min
